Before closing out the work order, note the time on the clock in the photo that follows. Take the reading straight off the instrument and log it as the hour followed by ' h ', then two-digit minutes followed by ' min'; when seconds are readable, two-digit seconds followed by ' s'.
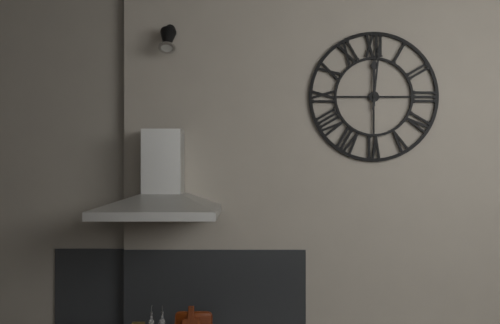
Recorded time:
12 h 01 min
